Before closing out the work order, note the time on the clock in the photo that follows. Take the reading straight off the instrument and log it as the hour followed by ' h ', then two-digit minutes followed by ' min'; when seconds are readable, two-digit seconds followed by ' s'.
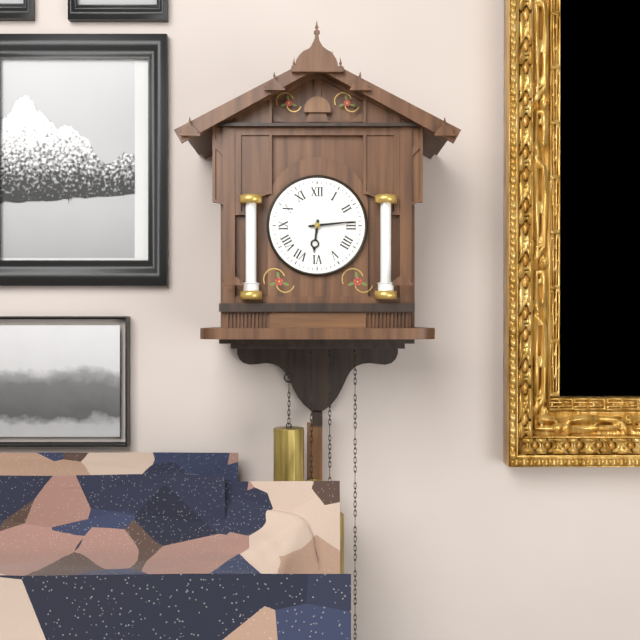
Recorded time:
6 h 14 min
